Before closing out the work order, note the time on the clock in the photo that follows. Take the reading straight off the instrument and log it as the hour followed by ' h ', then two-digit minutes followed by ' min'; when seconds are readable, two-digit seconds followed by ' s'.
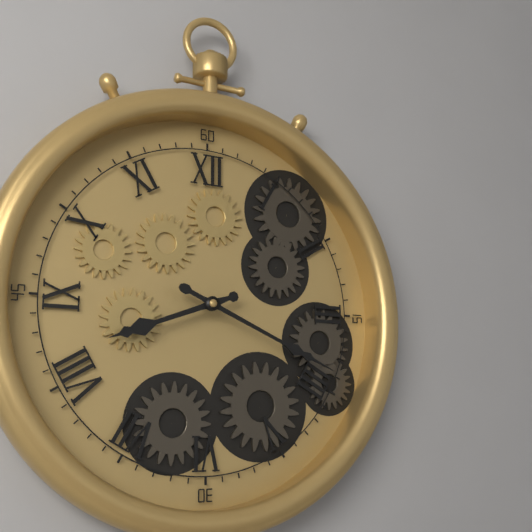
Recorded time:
8 h 19 min
